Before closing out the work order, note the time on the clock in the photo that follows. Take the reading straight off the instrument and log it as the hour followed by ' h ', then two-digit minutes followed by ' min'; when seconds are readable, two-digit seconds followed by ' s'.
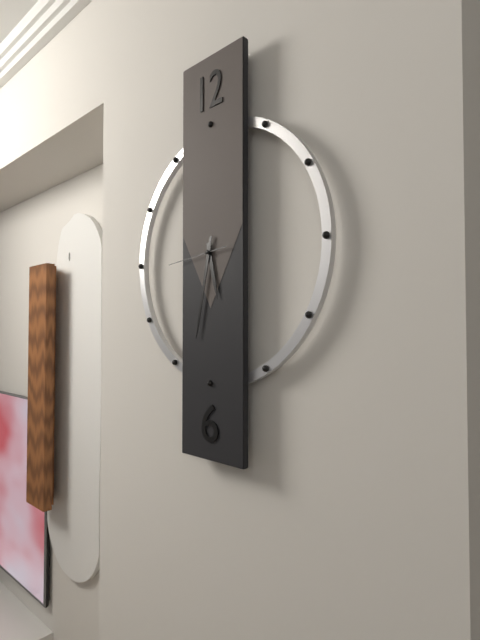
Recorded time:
5 h 32 min 44 s
